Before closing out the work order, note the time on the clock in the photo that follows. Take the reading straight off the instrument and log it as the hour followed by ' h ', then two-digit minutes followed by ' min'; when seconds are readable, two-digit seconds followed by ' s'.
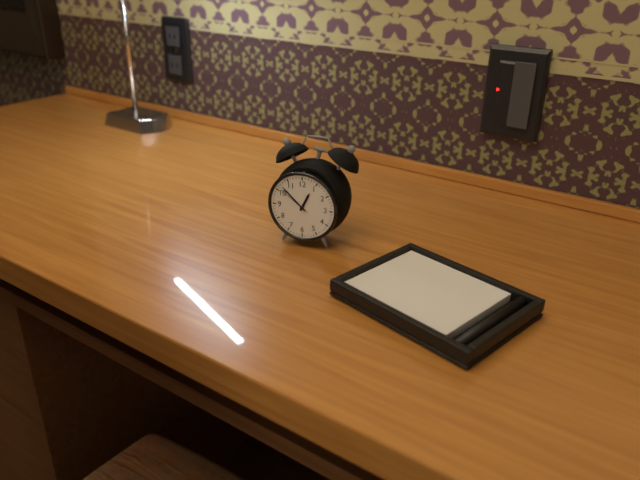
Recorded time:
12 h 52 min
